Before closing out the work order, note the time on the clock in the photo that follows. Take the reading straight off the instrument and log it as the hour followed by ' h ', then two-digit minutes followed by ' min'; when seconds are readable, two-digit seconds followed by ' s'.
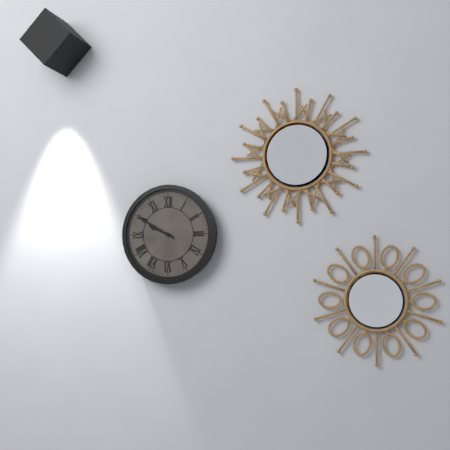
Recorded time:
9 h 50 min
